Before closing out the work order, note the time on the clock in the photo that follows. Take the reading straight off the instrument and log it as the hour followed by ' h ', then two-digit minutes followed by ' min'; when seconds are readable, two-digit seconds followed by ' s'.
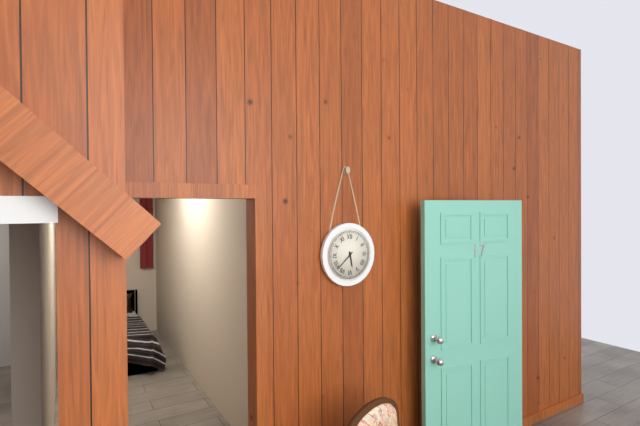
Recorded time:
5 h 38 min
